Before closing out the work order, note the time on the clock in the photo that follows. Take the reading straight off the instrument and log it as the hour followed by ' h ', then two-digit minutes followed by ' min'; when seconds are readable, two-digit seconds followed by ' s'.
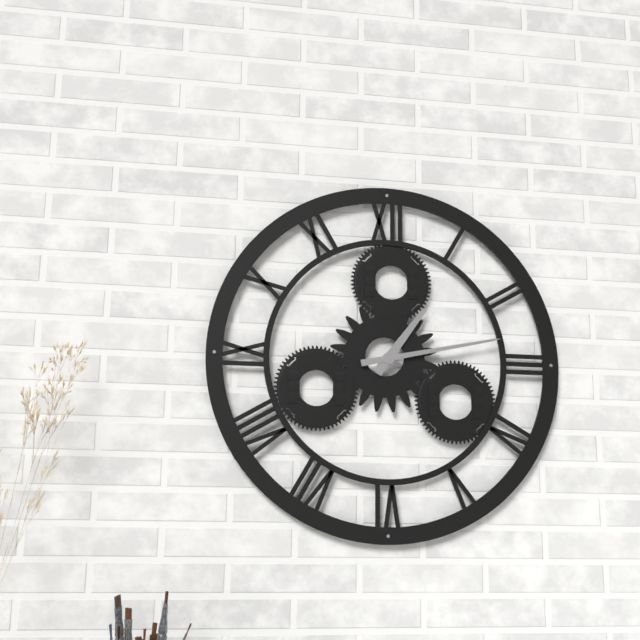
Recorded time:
1 h 13 min
